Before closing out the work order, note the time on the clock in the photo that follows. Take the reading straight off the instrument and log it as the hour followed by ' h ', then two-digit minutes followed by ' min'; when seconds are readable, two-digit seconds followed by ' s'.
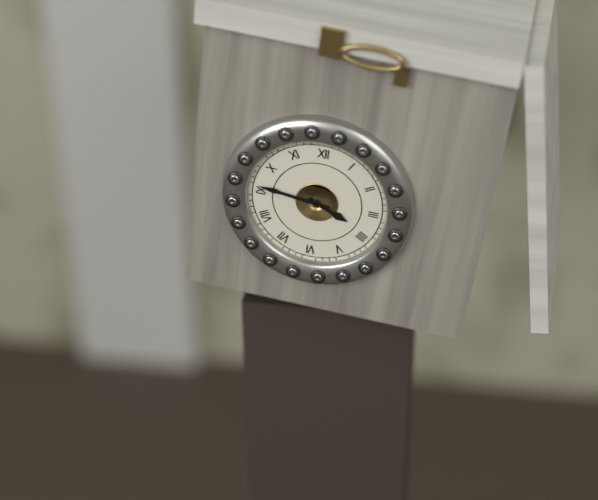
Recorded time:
3 h 46 min
